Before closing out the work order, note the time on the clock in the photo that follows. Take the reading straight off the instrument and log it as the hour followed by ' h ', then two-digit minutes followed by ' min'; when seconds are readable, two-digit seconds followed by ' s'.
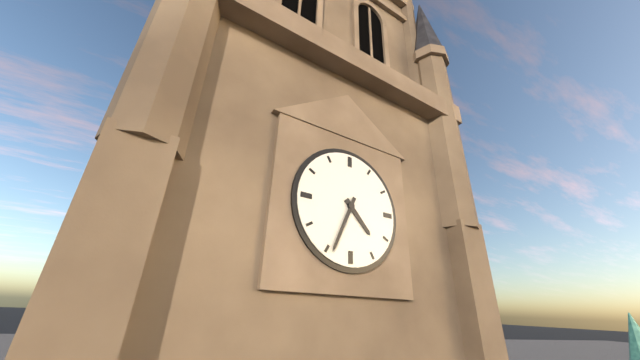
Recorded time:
4 h 34 min
